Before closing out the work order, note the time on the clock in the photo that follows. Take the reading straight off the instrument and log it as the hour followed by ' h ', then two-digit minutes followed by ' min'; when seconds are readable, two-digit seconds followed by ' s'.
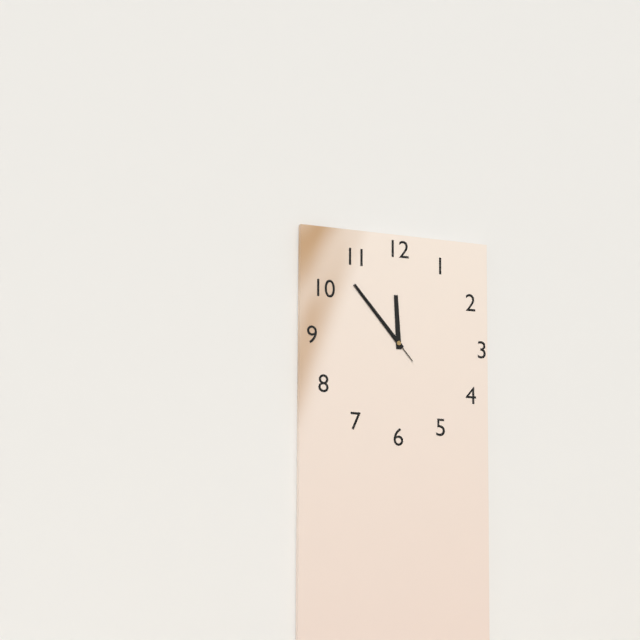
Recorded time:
11 h 53 min 53 s
